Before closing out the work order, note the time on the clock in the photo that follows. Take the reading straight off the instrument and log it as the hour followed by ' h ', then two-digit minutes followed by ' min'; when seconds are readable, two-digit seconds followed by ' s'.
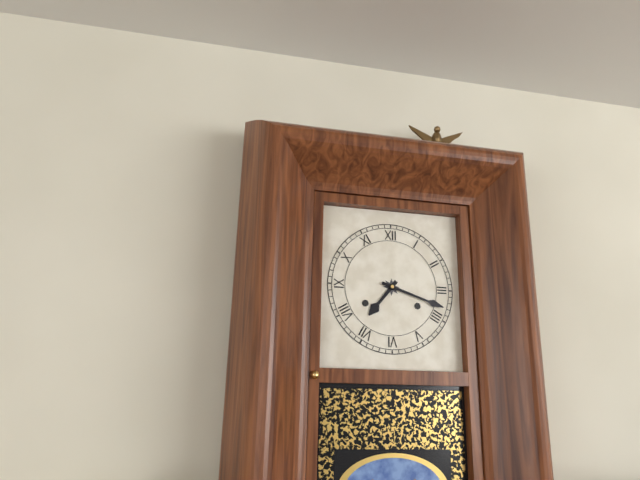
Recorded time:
7 h 18 min
